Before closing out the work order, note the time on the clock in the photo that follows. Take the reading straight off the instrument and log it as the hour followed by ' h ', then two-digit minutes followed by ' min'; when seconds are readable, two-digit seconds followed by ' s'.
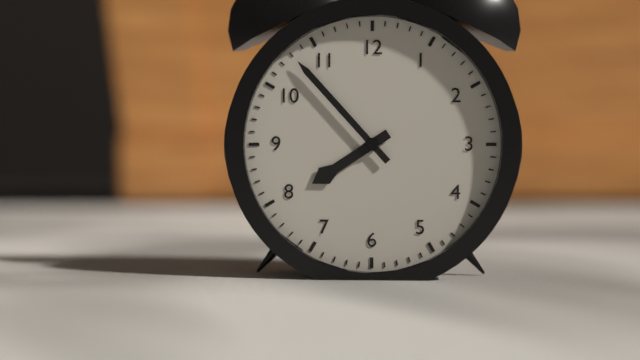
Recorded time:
7 h 53 min
